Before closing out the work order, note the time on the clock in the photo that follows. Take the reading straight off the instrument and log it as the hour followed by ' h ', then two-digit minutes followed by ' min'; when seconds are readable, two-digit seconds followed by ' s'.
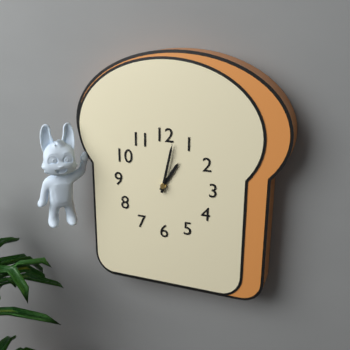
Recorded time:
1 h 02 min
